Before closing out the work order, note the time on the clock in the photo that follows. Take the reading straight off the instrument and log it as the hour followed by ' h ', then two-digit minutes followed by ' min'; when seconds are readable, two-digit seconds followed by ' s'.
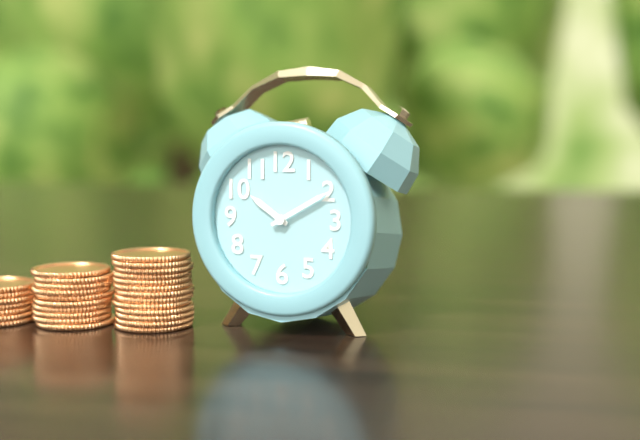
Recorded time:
10 h 10 min
